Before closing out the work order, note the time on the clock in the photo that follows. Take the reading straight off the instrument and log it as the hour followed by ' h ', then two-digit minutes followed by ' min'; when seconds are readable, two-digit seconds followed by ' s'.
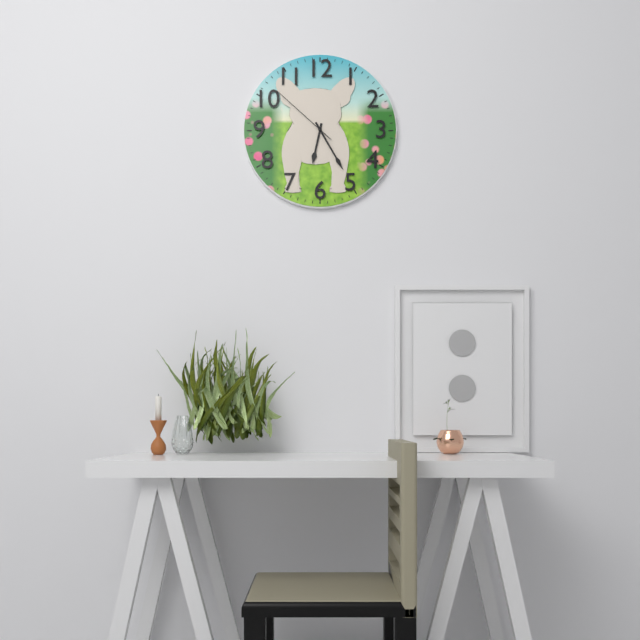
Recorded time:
6 h 25 min 52 s
